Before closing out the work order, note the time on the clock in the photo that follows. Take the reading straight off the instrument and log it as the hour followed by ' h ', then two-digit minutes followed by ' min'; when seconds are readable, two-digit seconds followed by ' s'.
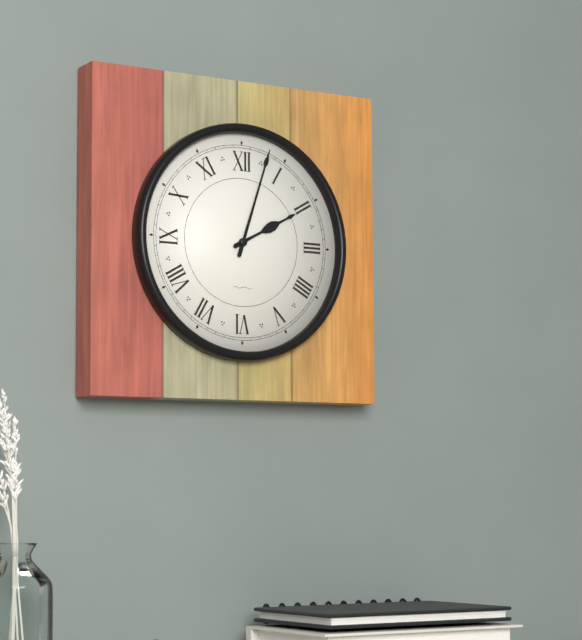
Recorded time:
2 h 03 min
